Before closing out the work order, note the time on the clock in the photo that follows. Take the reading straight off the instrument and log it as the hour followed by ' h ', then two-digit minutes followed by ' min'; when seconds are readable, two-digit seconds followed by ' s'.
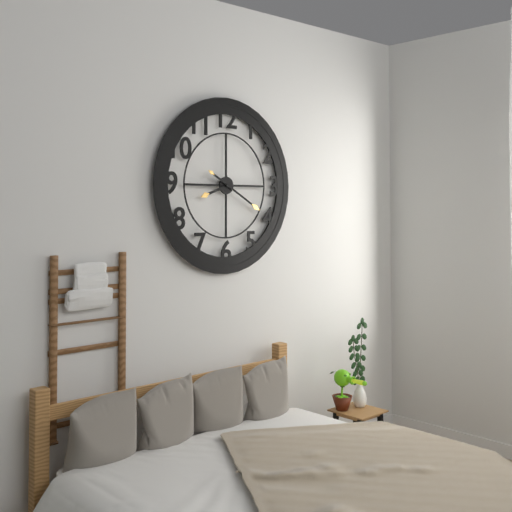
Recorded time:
8 h 20 min
